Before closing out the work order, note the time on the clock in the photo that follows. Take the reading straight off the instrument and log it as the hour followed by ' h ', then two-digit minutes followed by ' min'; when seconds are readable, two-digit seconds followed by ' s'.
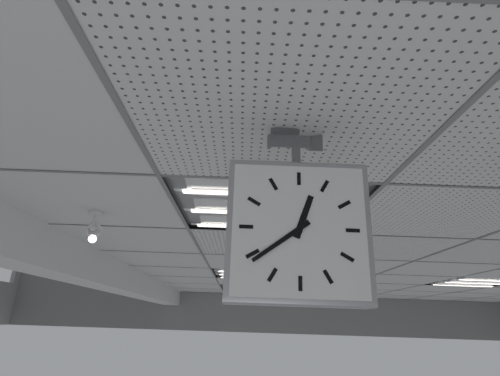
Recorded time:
12 h 39 min
